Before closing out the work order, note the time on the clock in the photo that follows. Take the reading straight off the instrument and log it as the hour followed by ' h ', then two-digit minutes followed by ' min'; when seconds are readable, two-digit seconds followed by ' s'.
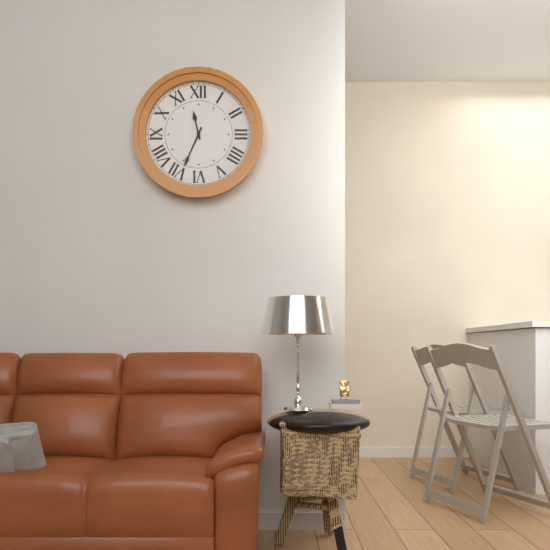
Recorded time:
11 h 34 min
